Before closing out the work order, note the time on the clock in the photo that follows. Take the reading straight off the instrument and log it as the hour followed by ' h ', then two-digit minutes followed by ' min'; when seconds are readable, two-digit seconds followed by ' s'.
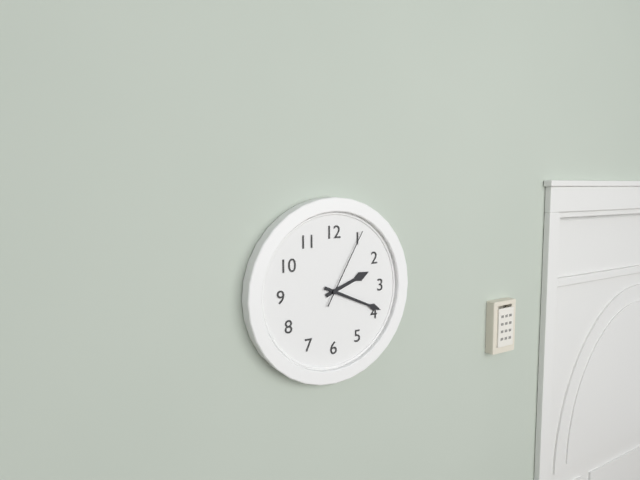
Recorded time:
2 h 19 min 05 s
